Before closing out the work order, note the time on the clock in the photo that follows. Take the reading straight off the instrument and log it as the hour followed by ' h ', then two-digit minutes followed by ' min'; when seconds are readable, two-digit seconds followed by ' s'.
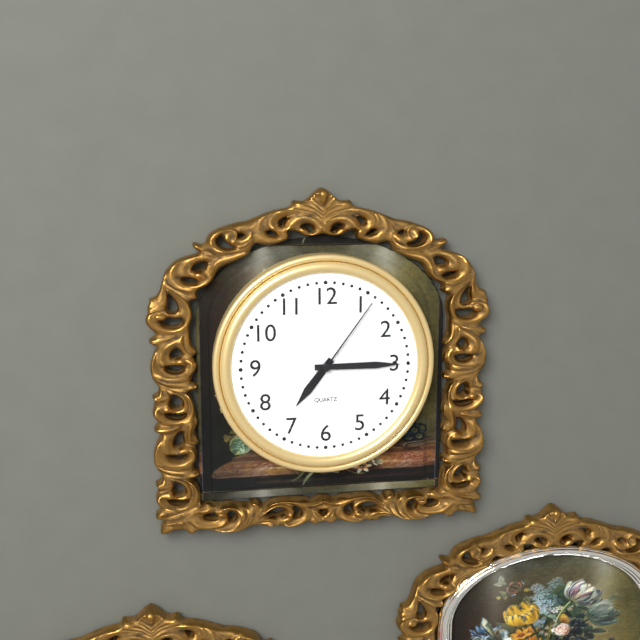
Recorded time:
7 h 15 min 06 s
